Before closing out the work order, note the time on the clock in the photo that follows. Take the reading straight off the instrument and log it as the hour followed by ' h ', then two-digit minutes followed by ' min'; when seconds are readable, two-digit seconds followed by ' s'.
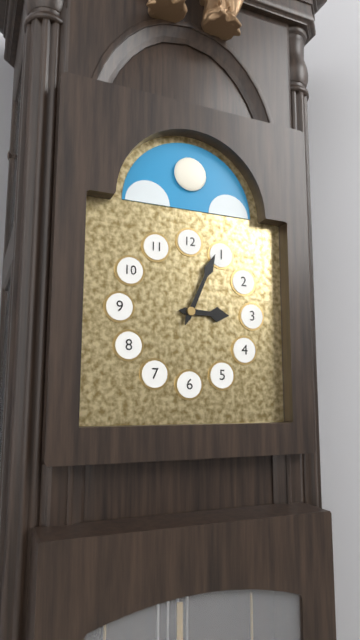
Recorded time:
3 h 04 min
